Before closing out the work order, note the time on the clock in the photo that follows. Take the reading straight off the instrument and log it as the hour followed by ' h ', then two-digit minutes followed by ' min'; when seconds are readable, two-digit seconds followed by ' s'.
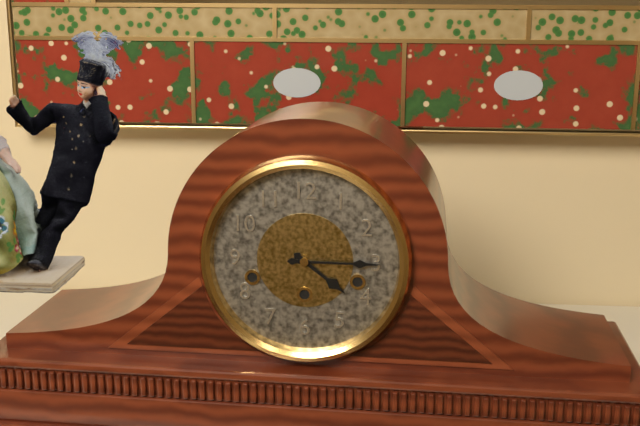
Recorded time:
4 h 15 min
